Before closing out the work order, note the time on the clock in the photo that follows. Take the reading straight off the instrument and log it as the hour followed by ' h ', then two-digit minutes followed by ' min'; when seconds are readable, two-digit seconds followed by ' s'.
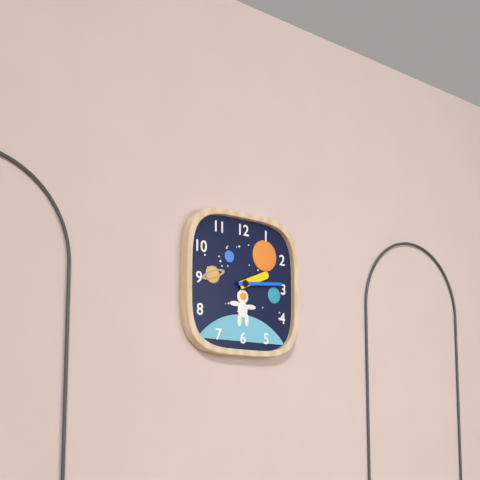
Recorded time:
2 h 14 min
